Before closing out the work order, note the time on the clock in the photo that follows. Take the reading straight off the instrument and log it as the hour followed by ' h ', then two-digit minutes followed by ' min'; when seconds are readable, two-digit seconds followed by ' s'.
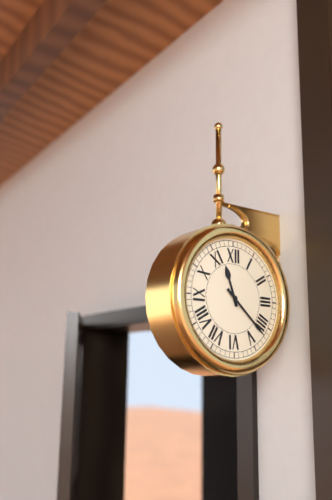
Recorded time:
11 h 22 min
